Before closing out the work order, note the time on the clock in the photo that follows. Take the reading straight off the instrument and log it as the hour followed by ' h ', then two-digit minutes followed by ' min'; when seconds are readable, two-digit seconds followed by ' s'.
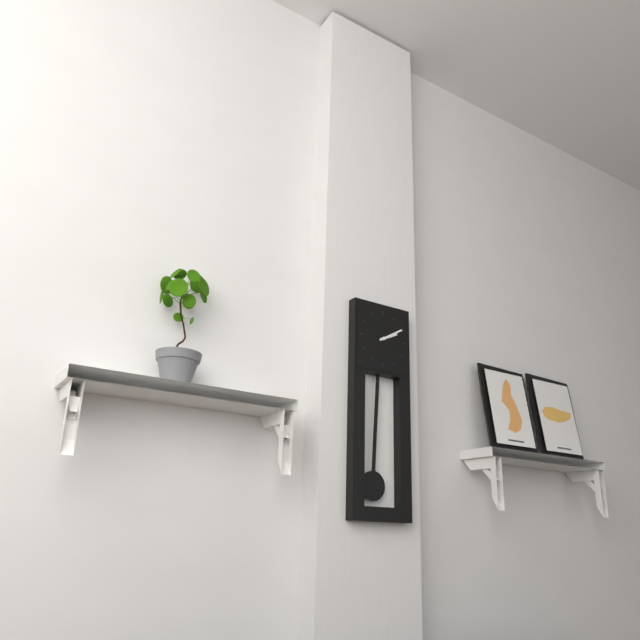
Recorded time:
2 h 10 min
